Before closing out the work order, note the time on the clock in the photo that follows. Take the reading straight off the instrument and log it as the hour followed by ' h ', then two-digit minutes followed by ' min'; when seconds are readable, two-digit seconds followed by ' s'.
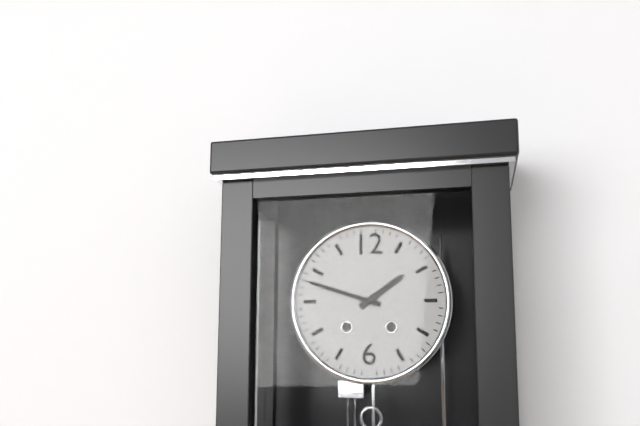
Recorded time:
1 h 48 min
